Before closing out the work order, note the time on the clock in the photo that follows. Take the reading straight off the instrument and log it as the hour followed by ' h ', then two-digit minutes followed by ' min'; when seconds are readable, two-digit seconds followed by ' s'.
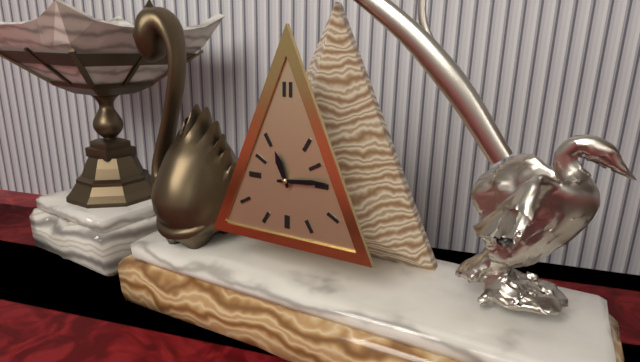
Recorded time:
11 h 14 min
